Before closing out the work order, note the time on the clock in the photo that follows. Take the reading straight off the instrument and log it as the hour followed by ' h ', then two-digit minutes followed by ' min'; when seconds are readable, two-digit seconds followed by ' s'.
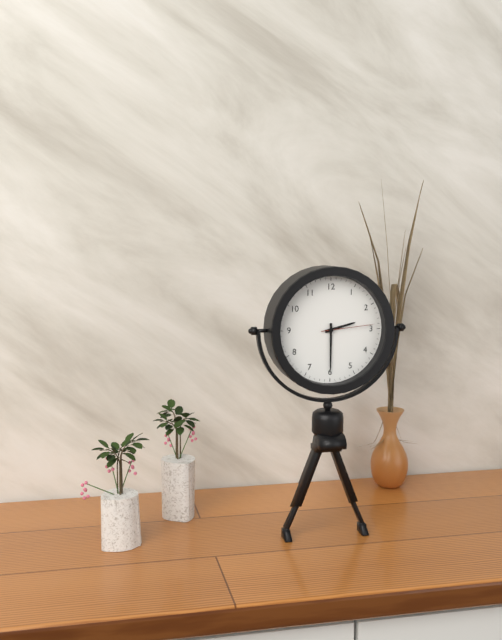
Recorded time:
2 h 30 min 14 s
